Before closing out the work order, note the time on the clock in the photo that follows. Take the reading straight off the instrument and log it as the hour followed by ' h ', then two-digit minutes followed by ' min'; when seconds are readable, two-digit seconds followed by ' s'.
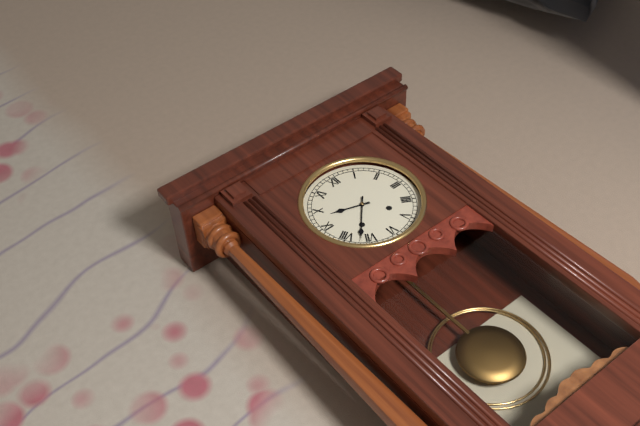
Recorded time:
9 h 37 min
